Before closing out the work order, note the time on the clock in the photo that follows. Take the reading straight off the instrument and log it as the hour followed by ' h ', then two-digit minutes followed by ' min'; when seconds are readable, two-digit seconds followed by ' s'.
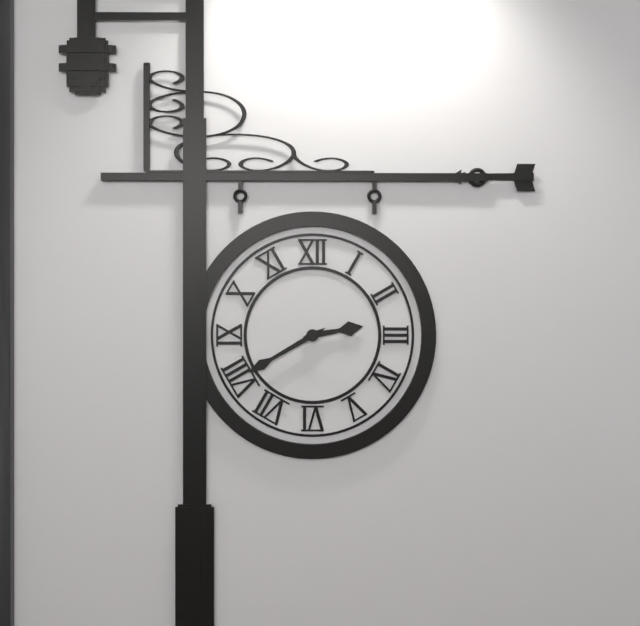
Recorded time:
2 h 40 min
